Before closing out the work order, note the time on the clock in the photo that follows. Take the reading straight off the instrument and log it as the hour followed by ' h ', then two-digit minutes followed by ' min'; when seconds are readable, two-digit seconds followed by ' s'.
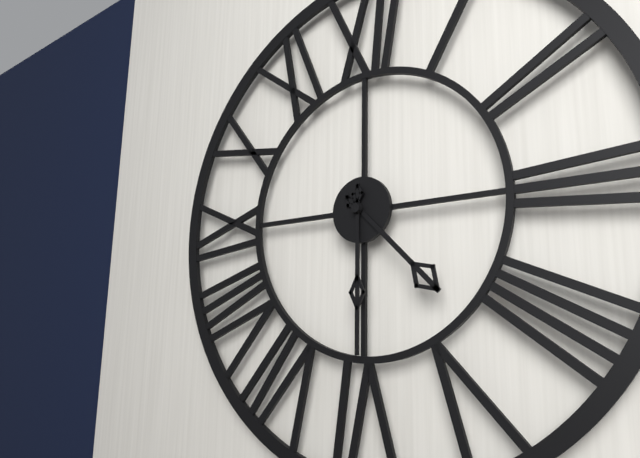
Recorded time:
4 h 30 min
